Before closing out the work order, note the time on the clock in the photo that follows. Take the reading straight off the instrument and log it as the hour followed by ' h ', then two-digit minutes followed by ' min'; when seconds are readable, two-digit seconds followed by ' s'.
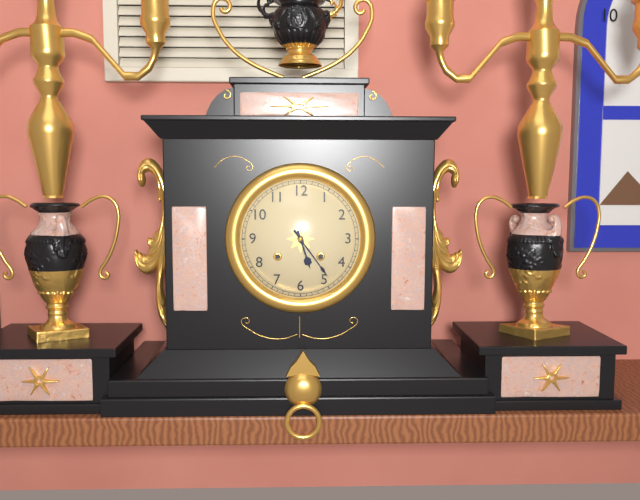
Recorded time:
5 h 24 min
